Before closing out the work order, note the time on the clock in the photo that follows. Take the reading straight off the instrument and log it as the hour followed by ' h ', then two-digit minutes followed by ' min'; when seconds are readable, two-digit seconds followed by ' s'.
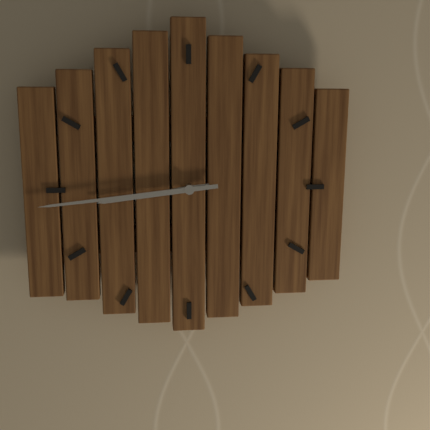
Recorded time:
8 h 44 min
